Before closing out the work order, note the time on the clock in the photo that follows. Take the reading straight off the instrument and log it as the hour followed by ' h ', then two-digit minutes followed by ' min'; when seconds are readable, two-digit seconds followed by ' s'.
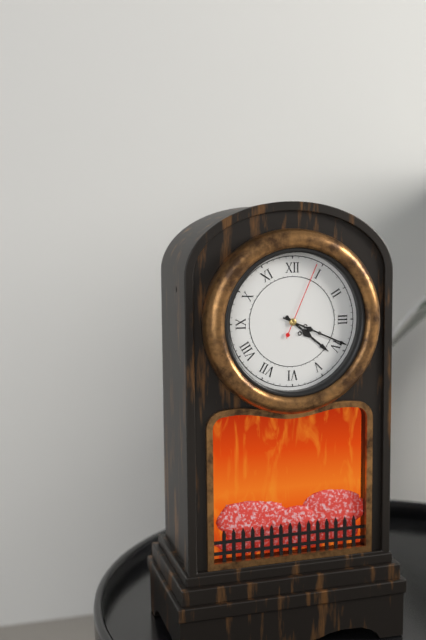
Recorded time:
4 h 19 min 04 s
